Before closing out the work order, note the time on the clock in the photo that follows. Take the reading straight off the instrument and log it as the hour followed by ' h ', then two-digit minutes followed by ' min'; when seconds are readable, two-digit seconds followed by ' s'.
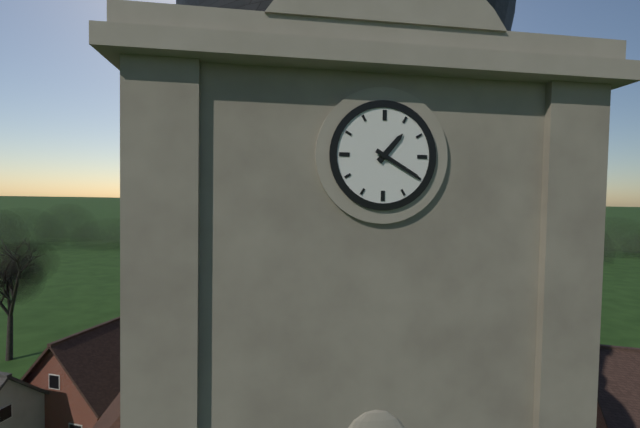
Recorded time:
1 h 20 min
